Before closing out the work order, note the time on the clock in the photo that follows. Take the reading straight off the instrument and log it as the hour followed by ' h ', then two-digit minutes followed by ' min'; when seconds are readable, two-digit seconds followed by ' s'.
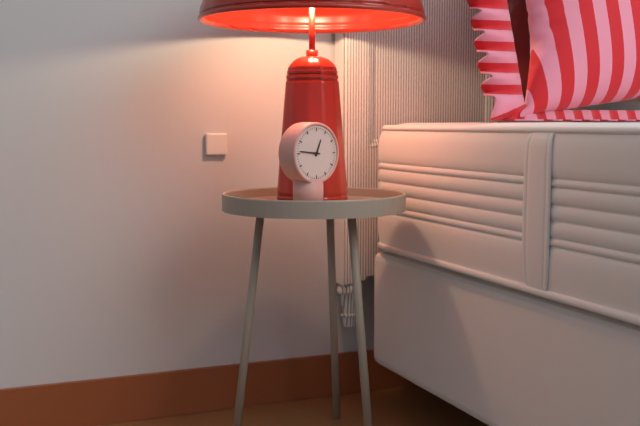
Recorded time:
12 h 46 min
